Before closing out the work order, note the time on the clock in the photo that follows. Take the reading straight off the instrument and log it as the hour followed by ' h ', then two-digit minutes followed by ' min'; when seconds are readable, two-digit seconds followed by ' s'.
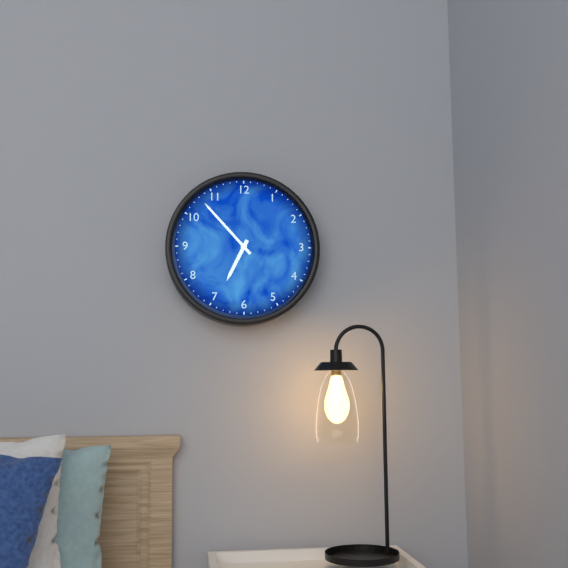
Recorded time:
6 h 53 min
